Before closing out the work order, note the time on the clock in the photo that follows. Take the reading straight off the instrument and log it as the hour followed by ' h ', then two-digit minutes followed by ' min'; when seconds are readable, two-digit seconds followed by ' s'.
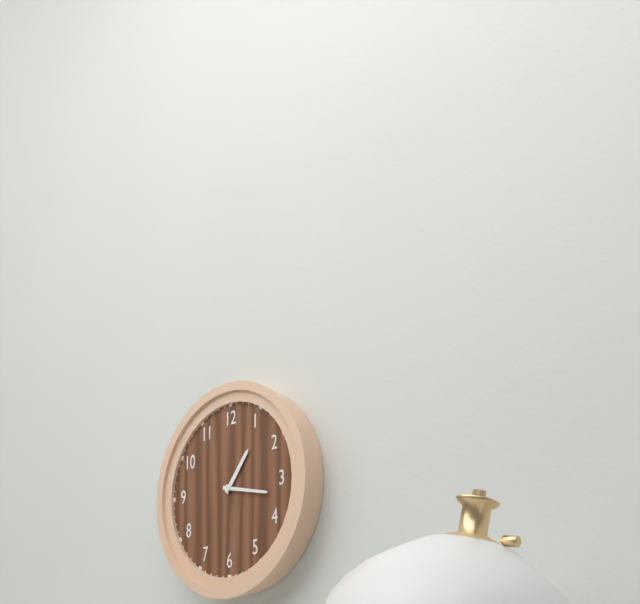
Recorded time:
1 h 17 min
